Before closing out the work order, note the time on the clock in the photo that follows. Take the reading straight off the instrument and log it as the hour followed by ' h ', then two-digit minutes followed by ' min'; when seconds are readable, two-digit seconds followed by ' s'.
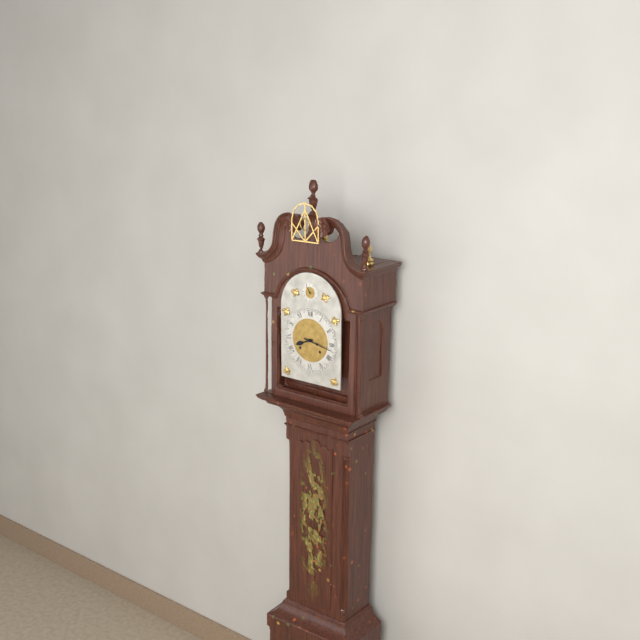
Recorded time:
8 h 17 min
